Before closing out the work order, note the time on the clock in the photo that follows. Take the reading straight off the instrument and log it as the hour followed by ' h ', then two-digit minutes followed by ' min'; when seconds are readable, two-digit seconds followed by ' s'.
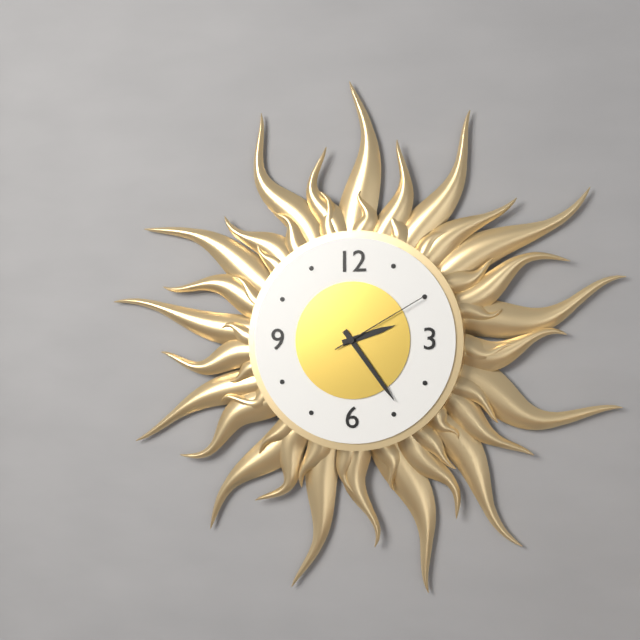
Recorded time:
2 h 24 min 10 s
